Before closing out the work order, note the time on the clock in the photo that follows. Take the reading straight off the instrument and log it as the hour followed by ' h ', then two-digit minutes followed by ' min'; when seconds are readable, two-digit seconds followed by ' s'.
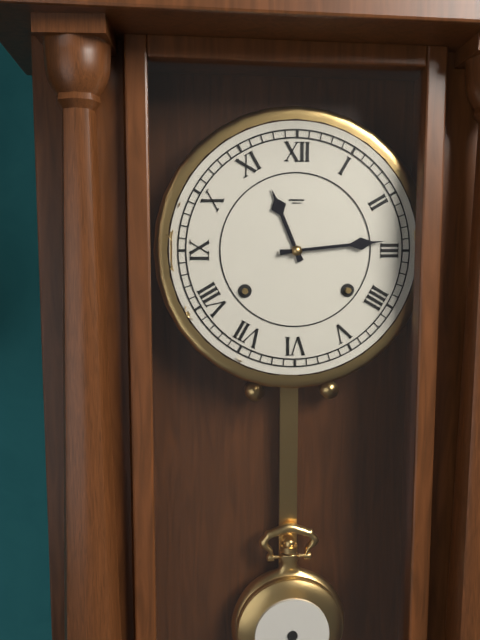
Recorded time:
11 h 14 min
